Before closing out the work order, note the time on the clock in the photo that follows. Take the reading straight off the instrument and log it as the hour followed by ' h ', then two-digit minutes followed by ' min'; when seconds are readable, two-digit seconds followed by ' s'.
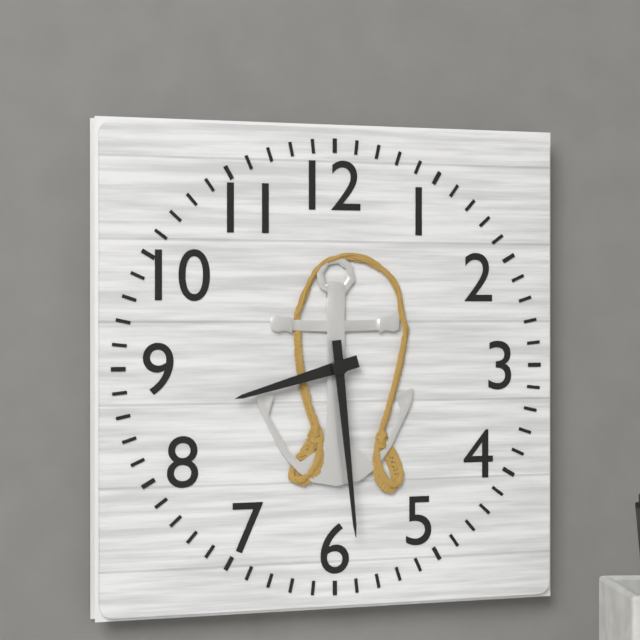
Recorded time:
8 h 29 min
